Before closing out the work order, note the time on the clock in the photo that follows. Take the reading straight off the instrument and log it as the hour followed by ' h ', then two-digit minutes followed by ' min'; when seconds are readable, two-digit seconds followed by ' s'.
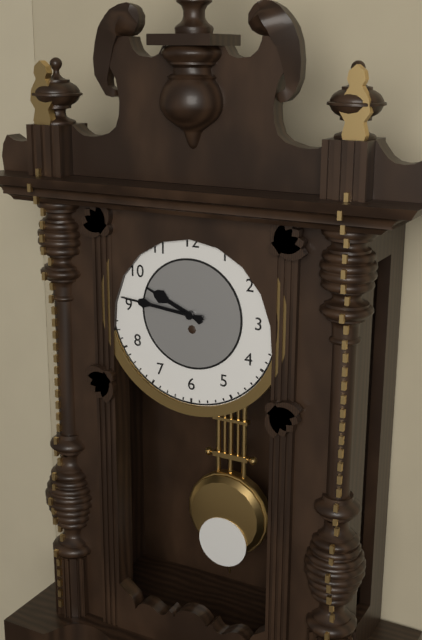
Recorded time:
9 h 46 min
